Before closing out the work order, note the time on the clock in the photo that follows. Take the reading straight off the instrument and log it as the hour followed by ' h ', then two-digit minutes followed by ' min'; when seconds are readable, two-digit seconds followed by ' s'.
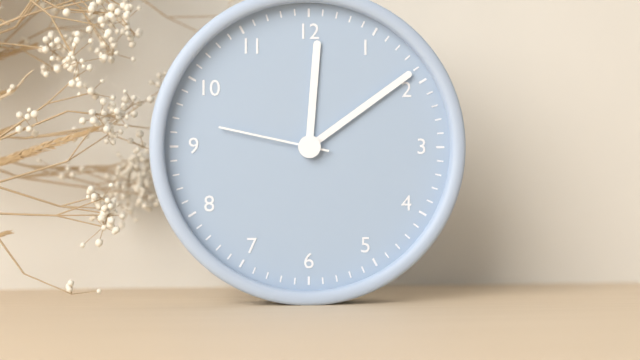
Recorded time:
12 h 09 min 47 s
